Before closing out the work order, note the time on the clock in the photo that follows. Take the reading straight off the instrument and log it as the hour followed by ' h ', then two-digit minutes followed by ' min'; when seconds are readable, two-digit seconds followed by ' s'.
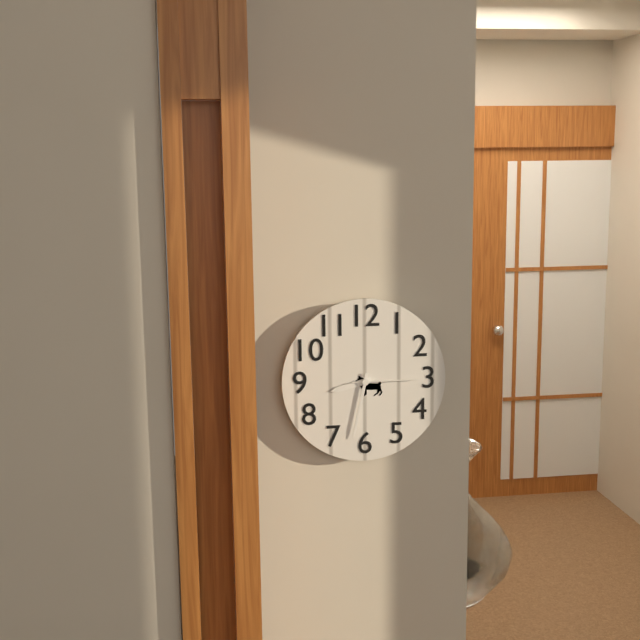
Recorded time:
8 h 32 min 15 s
